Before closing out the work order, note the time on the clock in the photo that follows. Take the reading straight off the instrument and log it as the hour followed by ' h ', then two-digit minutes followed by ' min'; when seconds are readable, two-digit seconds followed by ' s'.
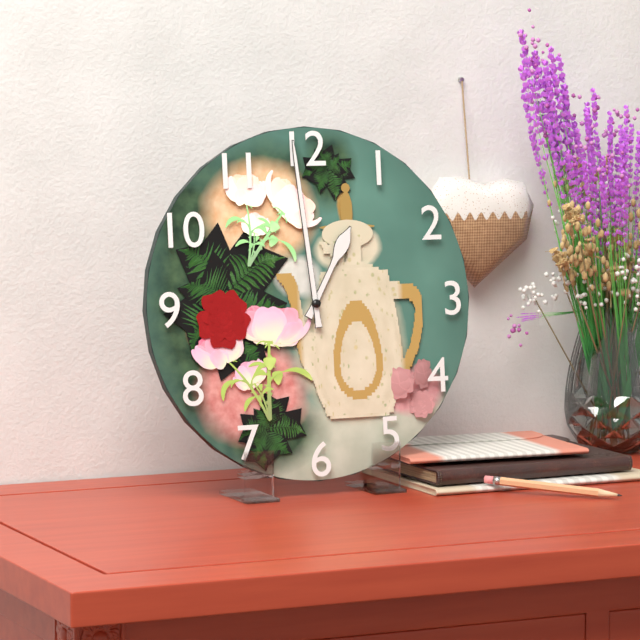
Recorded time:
12 h 59 min
